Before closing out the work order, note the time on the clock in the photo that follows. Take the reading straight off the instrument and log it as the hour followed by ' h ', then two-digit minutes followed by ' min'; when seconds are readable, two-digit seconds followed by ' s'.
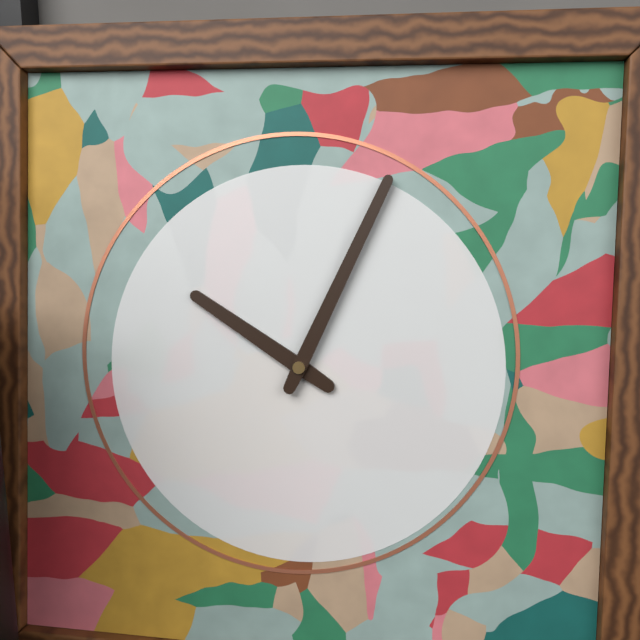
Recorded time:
10 h 04 min
